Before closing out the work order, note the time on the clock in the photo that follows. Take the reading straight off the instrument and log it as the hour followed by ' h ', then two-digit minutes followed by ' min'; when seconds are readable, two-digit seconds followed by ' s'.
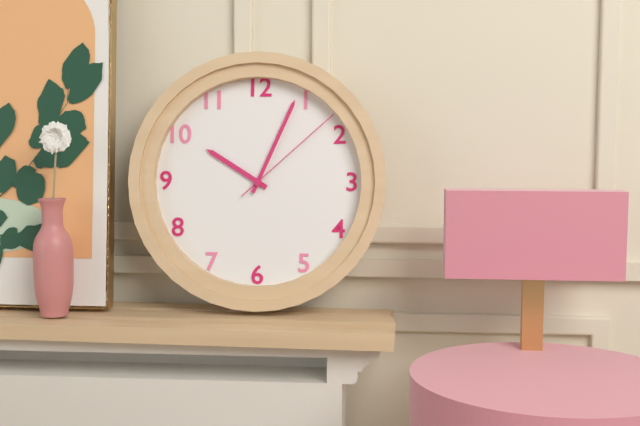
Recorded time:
10 h 04 min 08 s
